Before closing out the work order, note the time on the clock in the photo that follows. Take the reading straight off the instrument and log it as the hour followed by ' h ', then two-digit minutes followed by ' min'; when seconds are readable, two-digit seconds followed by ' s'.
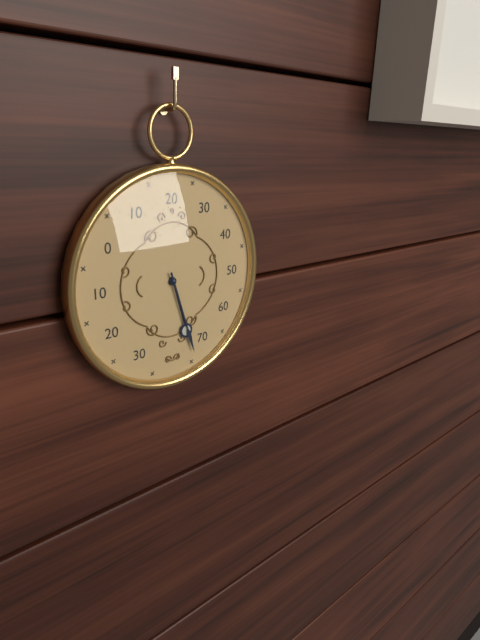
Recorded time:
5 h 27 min
